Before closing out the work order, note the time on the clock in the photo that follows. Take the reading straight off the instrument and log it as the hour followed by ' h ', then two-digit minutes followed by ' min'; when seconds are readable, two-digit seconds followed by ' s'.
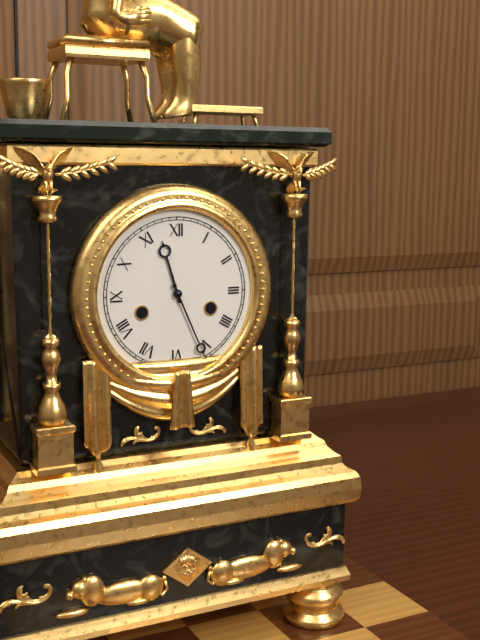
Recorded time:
11 h 26 min
